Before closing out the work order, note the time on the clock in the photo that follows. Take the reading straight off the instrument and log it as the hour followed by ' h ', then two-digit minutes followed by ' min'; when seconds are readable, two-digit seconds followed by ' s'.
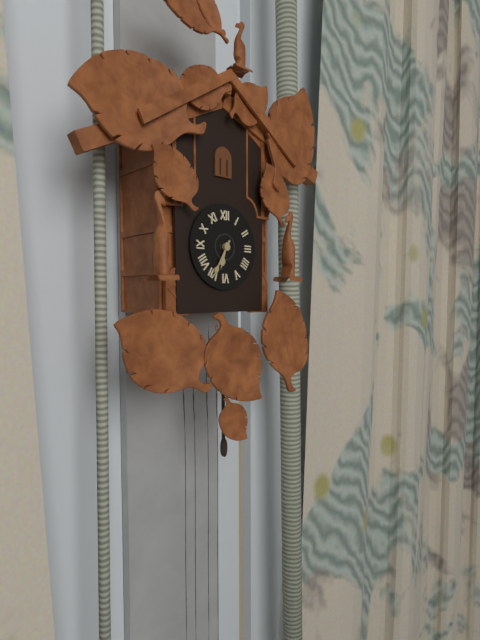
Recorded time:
6 h 35 min
